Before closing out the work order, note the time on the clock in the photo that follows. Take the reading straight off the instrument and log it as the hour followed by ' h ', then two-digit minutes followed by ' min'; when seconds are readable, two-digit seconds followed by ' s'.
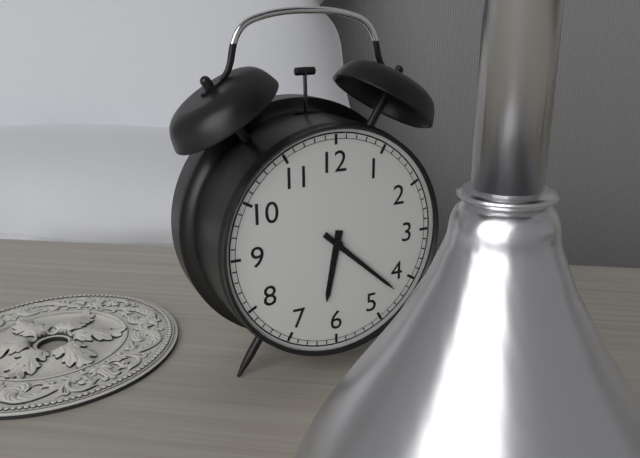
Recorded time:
6 h 22 min
